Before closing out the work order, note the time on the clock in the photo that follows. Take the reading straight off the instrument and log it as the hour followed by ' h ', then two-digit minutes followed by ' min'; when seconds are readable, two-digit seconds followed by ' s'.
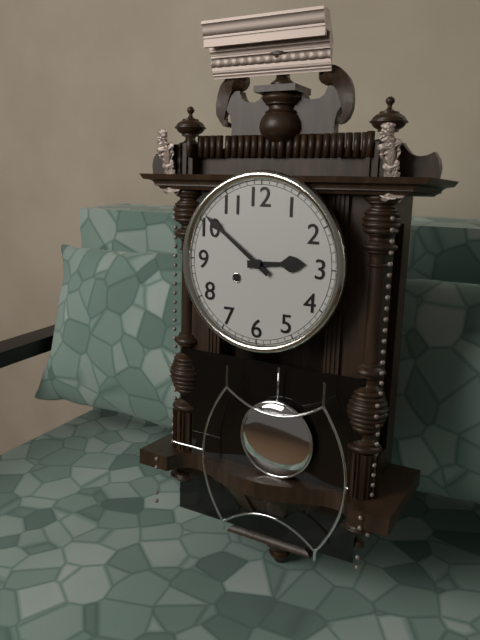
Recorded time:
2 h 51 min
